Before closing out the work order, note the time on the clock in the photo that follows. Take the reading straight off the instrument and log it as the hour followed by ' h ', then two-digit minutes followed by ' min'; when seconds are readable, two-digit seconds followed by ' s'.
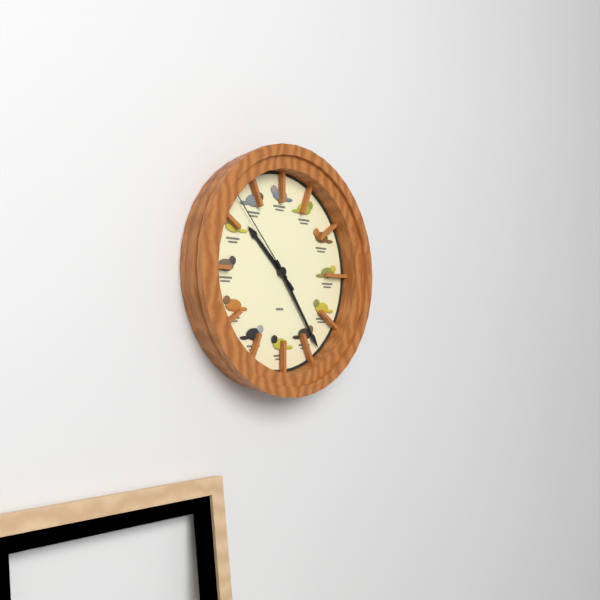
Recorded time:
10 h 24 min 53 s
